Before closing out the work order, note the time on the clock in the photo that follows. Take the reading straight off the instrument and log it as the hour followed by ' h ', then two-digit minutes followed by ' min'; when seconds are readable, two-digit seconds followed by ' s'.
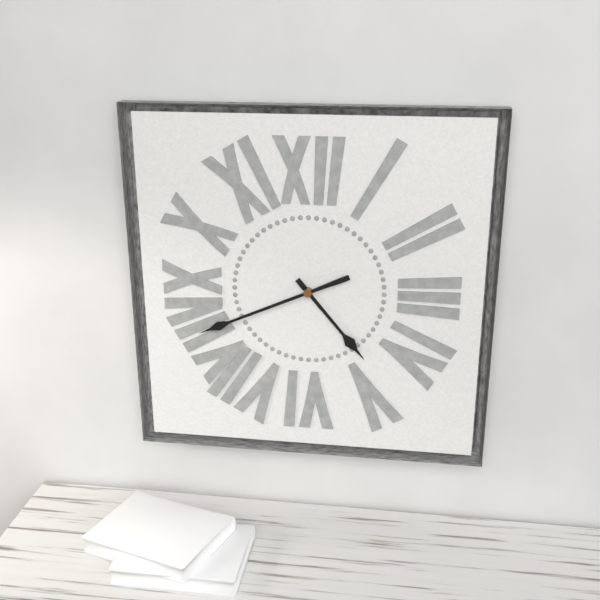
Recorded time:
4 h 41 min
